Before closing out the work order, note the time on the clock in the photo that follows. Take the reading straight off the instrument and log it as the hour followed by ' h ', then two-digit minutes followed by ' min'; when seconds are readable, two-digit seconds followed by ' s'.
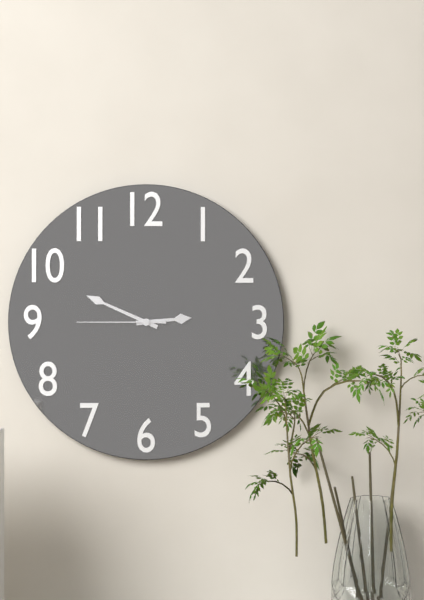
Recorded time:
2 h 49 min 45 s
